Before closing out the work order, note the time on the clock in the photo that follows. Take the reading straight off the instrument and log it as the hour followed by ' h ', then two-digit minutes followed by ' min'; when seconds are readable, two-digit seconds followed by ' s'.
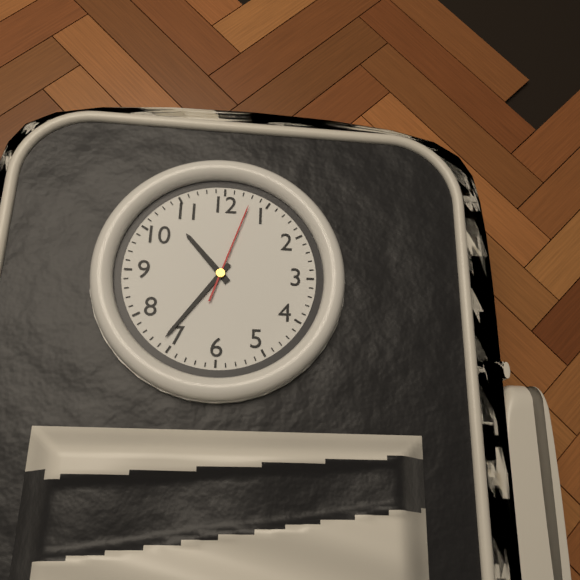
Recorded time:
10 h 36 min 03 s
